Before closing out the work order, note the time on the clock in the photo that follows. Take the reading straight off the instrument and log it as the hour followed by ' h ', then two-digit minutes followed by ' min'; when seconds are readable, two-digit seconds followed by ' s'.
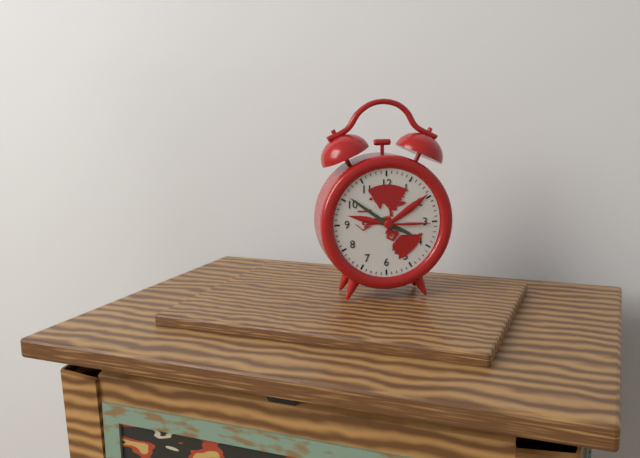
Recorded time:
3 h 51 min
